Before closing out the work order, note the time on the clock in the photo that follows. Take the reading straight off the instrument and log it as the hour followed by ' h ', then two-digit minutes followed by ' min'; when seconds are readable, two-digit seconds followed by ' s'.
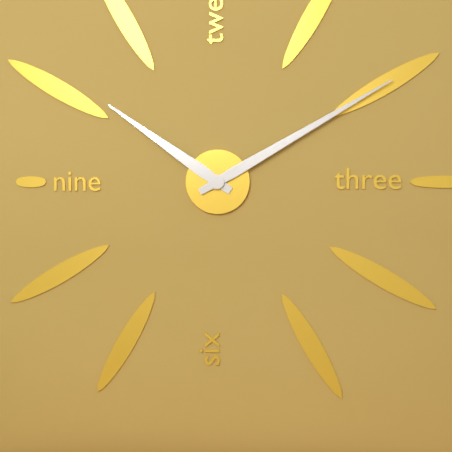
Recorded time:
10 h 10 min
